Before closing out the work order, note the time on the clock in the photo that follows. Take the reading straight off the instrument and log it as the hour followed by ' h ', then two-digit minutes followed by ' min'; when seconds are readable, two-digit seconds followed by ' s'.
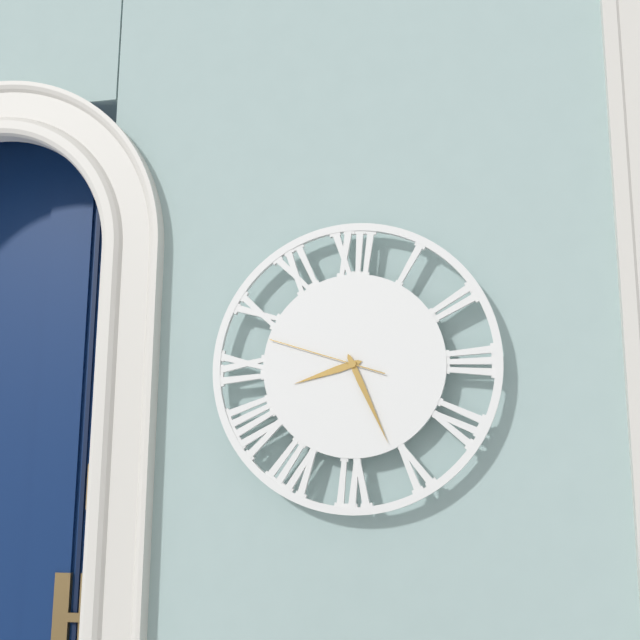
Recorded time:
8 h 26 min 48 s
